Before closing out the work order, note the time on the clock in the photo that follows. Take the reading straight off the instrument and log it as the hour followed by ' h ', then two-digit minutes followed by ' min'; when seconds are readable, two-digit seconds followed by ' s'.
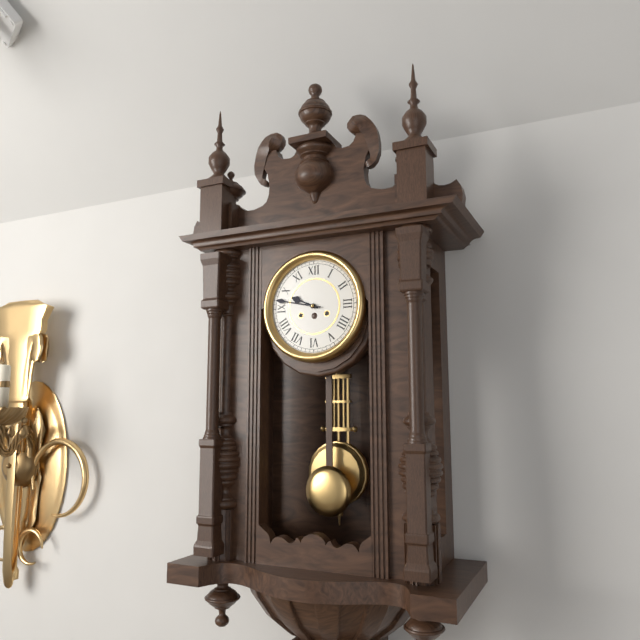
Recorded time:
9 h 47 min
